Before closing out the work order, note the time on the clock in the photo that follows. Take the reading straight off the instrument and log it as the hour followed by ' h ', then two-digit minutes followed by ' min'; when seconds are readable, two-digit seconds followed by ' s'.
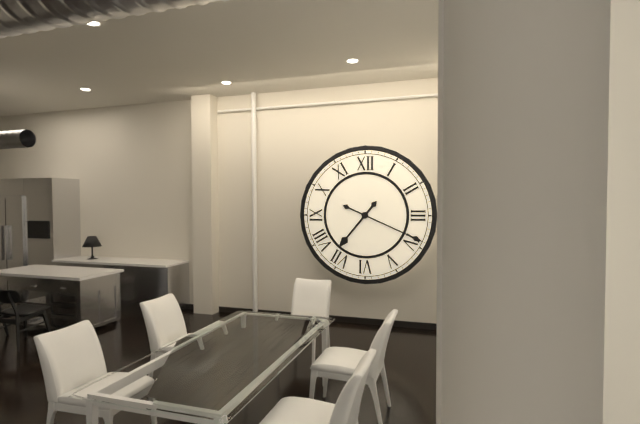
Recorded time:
7 h 19 min
